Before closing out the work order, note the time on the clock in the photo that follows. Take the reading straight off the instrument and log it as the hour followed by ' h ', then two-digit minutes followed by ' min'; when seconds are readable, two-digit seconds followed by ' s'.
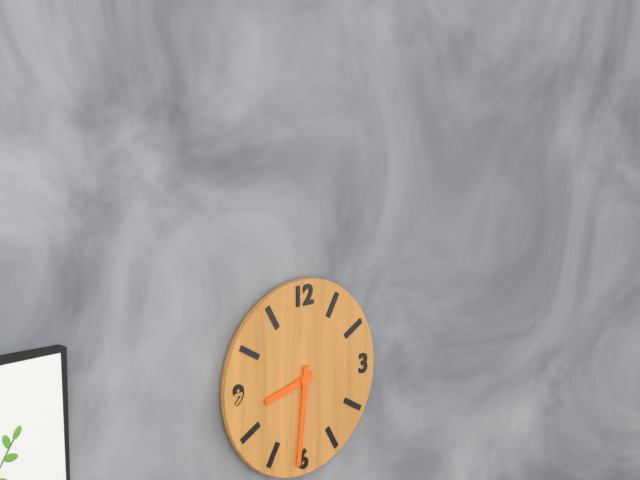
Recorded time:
8 h 31 min
